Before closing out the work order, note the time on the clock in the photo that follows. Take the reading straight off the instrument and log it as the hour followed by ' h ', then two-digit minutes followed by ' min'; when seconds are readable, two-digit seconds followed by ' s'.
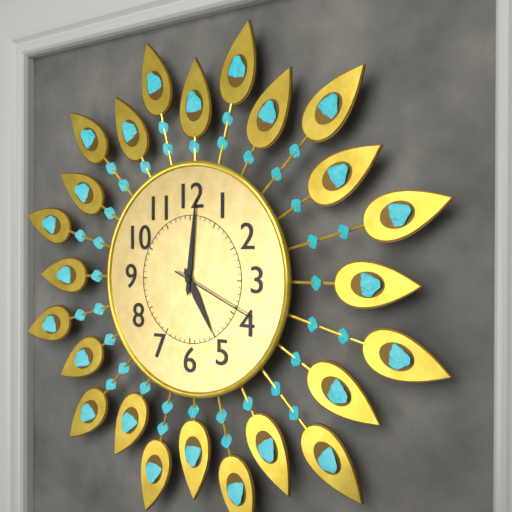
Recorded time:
5 h 01 min 19 s
